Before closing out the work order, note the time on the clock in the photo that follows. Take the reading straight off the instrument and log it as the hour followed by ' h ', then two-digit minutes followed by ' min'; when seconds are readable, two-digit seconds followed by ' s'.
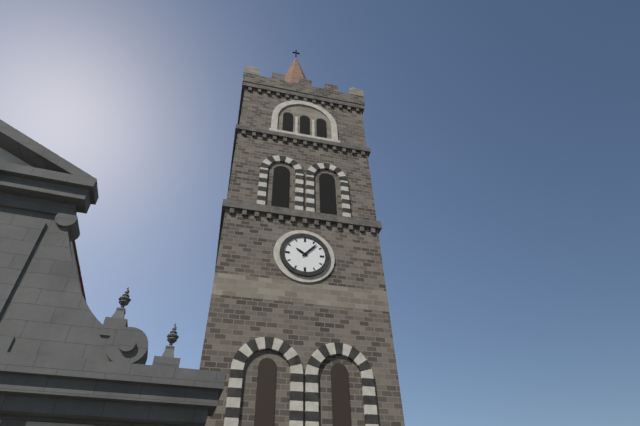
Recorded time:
10 h 07 min
